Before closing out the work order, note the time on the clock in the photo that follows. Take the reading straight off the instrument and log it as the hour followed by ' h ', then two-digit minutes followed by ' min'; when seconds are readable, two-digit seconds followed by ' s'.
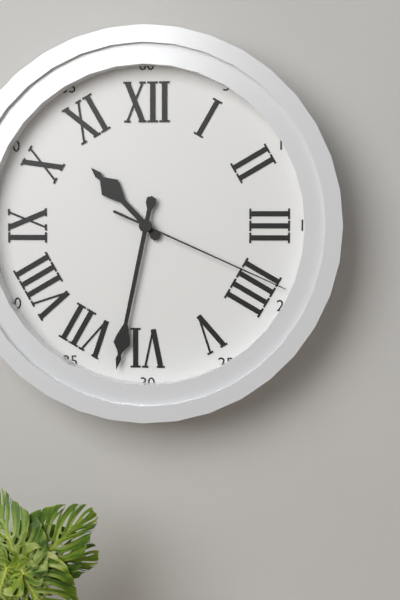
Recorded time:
10 h 32 min 19 s
